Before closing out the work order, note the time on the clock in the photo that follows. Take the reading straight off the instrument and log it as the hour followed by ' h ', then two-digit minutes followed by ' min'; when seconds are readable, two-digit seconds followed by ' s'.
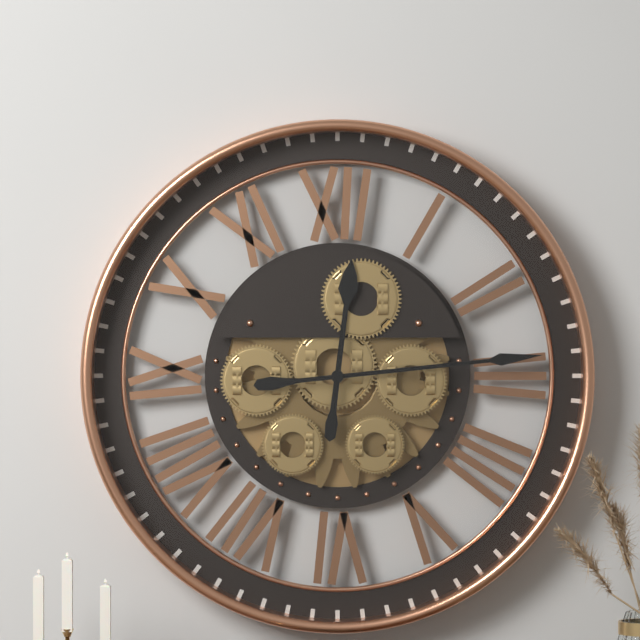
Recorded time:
12 h 14 min
